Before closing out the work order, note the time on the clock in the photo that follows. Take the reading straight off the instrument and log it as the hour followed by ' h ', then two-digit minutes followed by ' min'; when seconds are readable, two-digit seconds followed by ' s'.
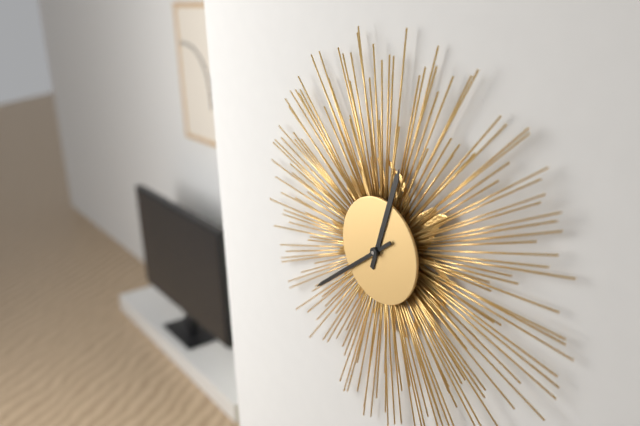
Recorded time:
12 h 39 min
